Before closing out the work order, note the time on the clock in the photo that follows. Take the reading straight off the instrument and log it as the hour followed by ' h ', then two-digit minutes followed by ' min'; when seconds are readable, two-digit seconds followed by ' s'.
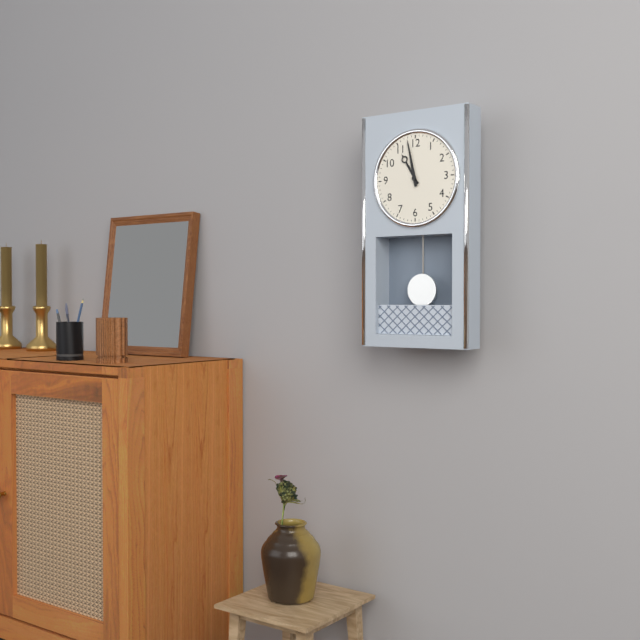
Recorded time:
10 h 58 min
